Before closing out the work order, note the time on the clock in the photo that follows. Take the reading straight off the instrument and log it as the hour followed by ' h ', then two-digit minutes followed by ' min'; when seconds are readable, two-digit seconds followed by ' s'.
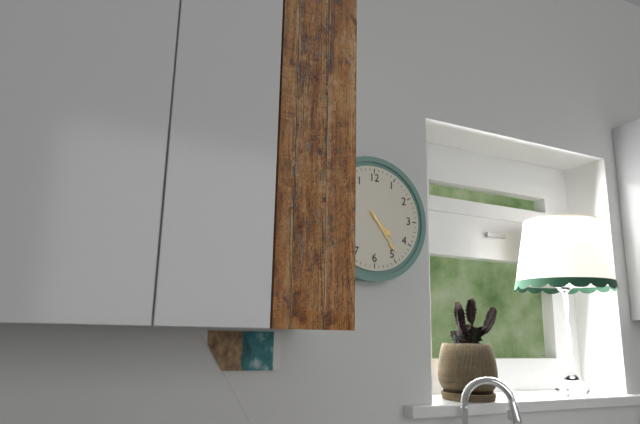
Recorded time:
4 h 24 min
